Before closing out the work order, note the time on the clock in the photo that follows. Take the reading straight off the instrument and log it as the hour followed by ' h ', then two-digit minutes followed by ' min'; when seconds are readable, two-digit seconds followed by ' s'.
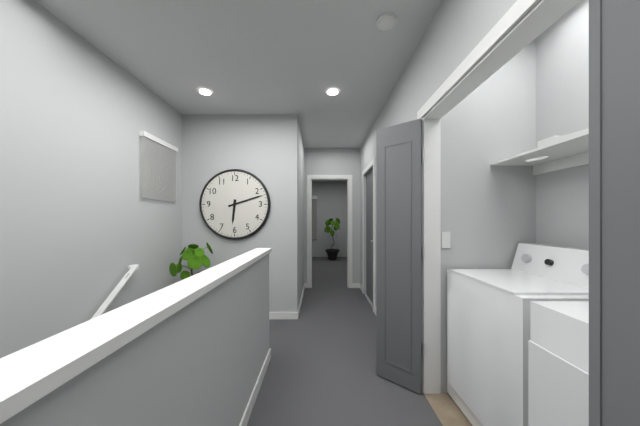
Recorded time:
6 h 12 min
